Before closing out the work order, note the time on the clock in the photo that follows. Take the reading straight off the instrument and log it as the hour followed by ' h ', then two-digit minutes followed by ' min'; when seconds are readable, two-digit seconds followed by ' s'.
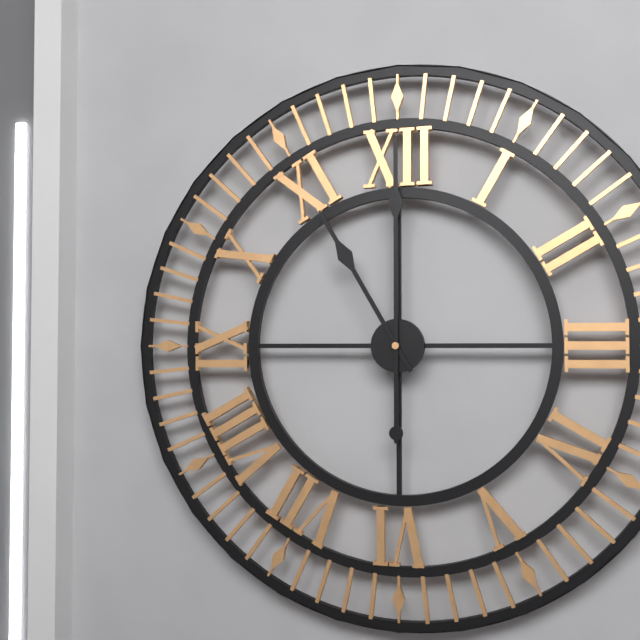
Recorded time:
11 h 00 min
